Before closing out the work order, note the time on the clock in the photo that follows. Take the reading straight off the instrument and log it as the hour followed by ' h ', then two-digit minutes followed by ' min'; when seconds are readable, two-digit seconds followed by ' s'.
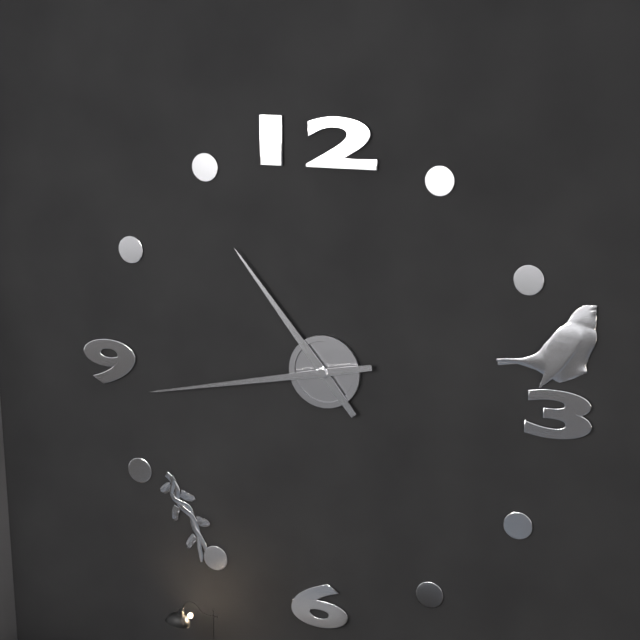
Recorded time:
10 h 43 min
